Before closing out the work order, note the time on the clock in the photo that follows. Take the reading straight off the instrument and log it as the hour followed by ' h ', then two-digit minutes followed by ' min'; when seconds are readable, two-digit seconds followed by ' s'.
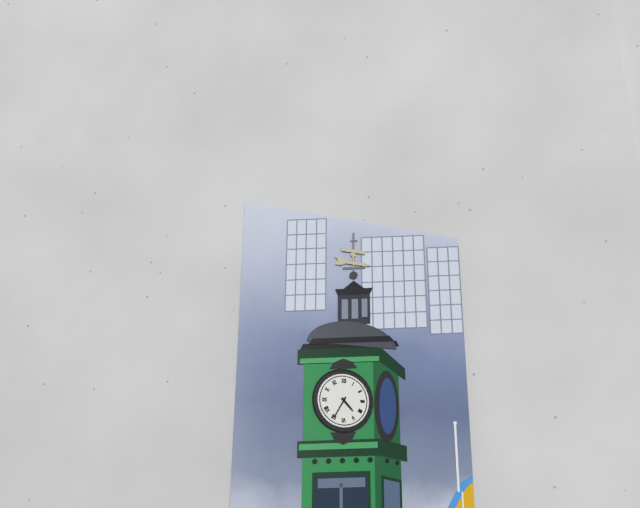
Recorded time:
4 h 35 min
